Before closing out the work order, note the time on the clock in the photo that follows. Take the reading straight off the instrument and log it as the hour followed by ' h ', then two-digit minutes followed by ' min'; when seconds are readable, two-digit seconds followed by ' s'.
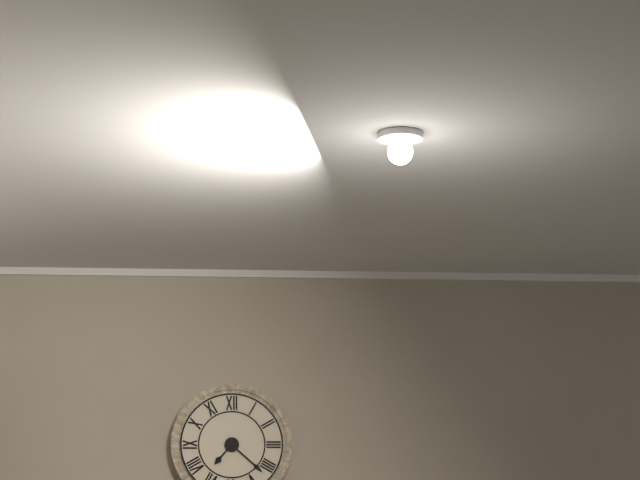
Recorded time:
7 h 22 min
